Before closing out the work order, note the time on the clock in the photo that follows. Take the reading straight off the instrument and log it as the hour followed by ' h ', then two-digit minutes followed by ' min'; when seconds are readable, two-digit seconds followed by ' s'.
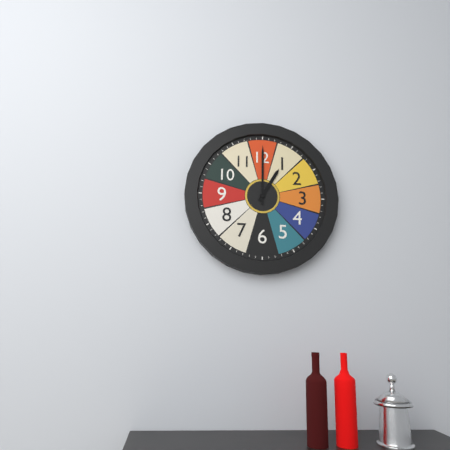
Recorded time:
1 h 00 min
